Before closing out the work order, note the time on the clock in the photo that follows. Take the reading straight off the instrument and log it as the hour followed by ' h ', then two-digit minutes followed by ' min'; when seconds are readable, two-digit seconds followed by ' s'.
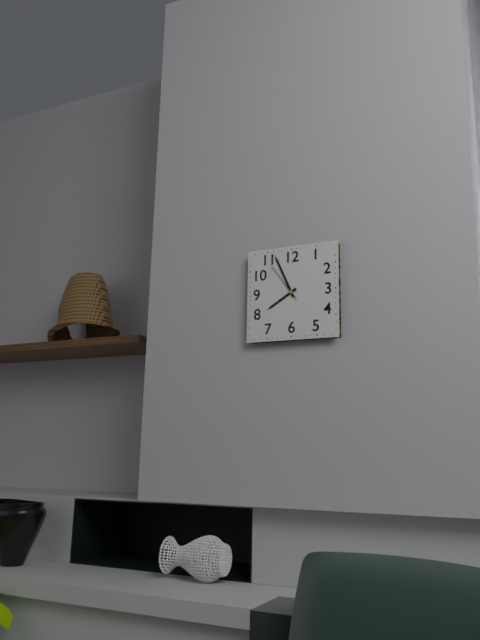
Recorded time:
7 h 56 min
